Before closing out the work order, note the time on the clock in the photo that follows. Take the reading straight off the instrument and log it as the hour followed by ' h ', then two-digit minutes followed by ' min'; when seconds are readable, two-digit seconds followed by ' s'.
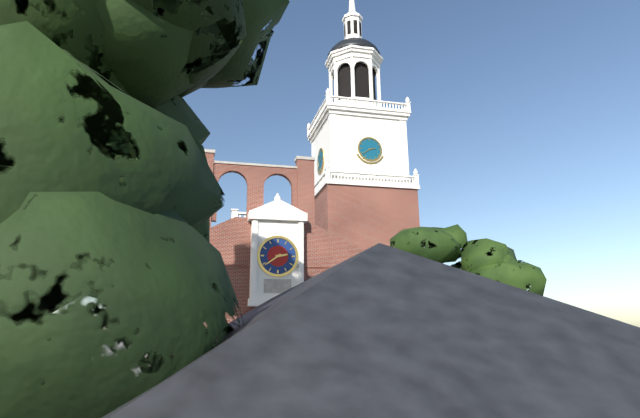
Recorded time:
2 h 39 min
